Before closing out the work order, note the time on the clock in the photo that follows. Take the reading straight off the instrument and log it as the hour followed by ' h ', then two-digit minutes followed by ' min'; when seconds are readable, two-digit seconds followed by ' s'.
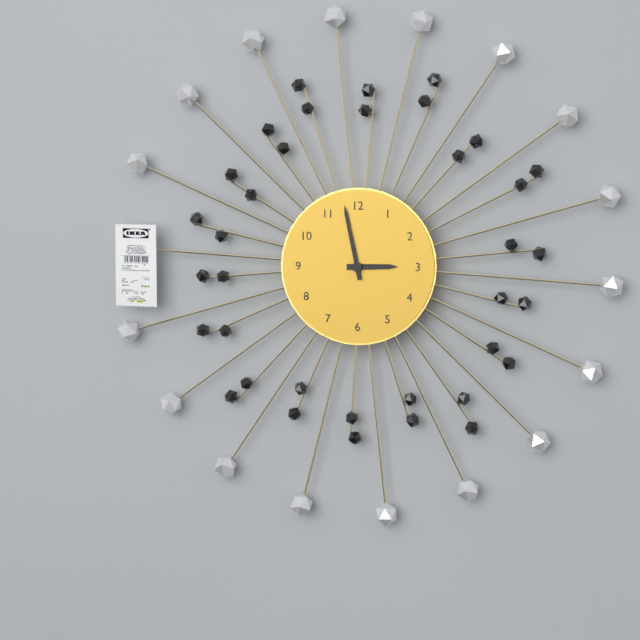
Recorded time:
2 h 58 min
